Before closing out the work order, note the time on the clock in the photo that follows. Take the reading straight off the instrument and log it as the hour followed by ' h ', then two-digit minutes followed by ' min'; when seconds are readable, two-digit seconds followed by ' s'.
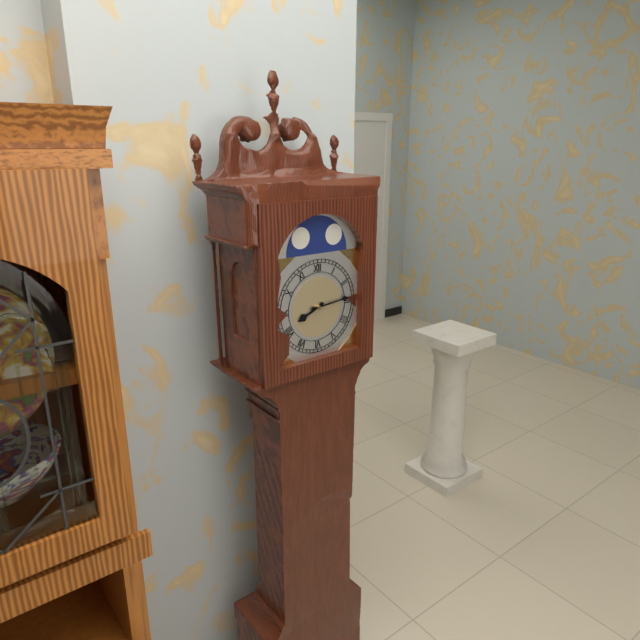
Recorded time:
8 h 14 min
